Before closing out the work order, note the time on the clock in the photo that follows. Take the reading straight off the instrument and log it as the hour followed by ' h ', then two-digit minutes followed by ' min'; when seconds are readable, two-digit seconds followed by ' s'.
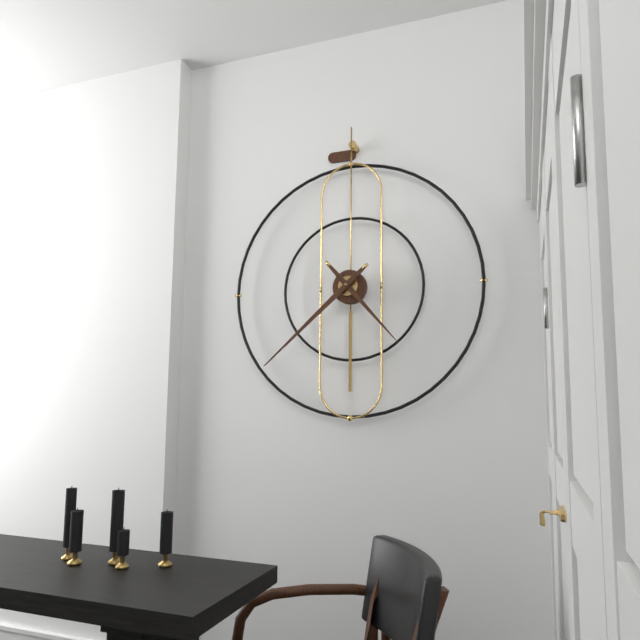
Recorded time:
4 h 38 min
